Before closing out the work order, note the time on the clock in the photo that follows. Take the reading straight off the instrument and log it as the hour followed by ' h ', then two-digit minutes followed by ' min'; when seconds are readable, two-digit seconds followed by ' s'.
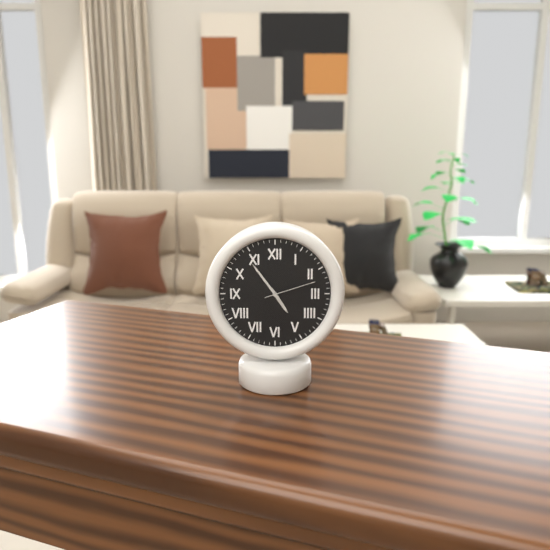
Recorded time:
4 h 54 min 12 s
